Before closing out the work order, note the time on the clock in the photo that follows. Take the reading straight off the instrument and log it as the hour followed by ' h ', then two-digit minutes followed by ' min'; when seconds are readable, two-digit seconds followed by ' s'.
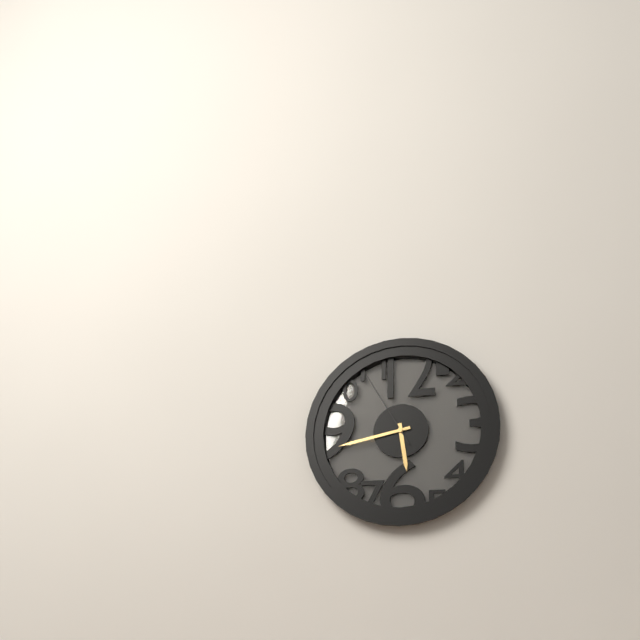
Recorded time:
5 h 43 min 55 s
